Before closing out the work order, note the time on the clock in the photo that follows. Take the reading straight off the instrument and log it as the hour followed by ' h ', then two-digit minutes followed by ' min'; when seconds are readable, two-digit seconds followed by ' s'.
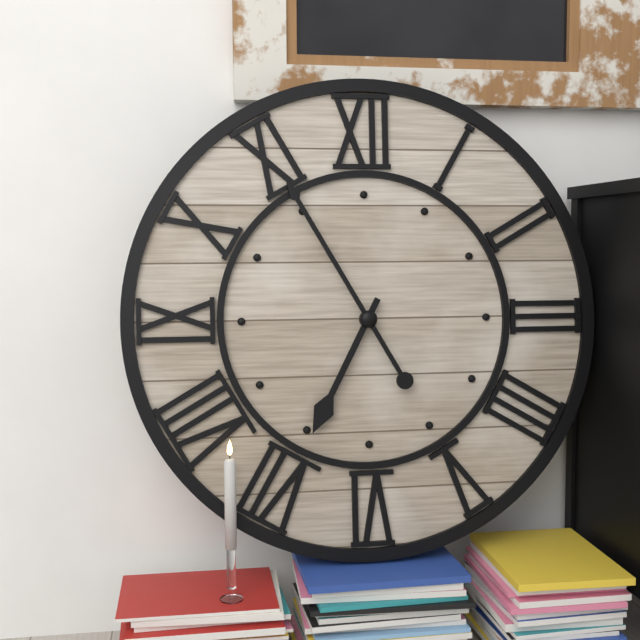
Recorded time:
6 h 55 min
